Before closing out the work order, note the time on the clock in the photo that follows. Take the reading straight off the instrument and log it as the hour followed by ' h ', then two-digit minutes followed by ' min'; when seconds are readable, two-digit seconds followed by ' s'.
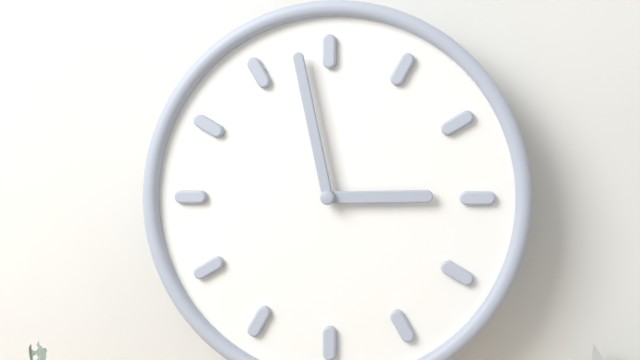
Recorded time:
2 h 58 min
